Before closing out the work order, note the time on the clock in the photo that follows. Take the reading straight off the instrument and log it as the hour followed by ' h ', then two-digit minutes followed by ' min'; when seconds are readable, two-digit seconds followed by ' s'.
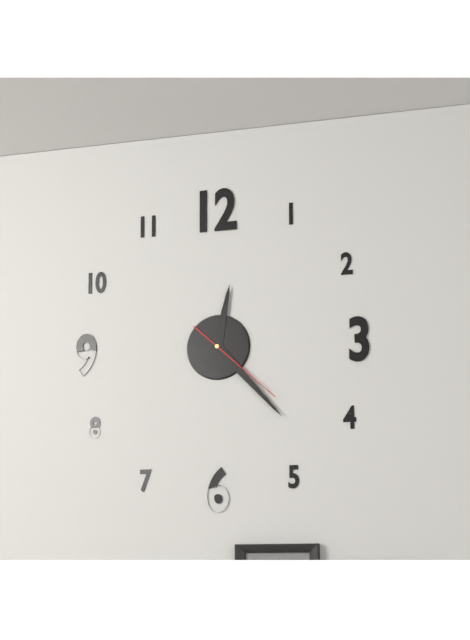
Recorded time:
12 h 23 min 22 s
